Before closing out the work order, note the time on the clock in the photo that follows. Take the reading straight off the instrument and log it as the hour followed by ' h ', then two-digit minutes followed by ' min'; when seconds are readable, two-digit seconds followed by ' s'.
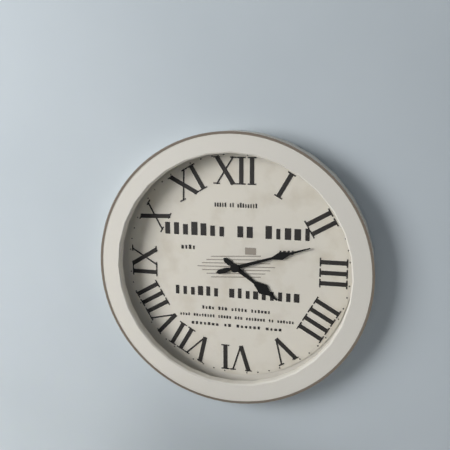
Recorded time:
4 h 12 min
